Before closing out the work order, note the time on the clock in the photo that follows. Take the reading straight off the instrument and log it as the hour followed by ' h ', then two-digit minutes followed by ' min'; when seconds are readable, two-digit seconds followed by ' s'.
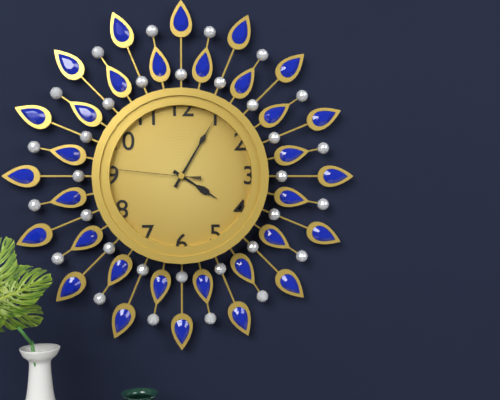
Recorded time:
4 h 05 min 46 s
